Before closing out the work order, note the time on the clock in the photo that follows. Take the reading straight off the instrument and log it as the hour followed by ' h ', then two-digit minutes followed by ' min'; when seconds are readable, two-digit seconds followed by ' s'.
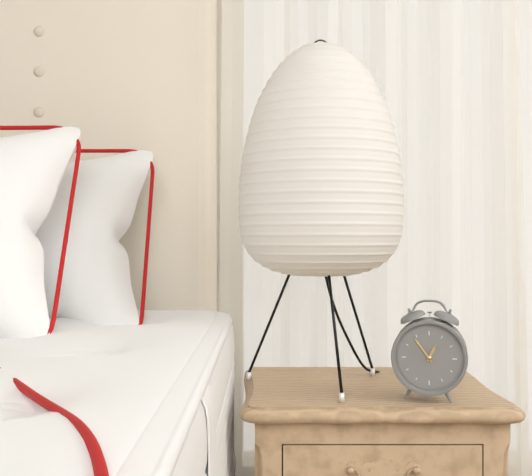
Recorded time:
12 h 54 min
